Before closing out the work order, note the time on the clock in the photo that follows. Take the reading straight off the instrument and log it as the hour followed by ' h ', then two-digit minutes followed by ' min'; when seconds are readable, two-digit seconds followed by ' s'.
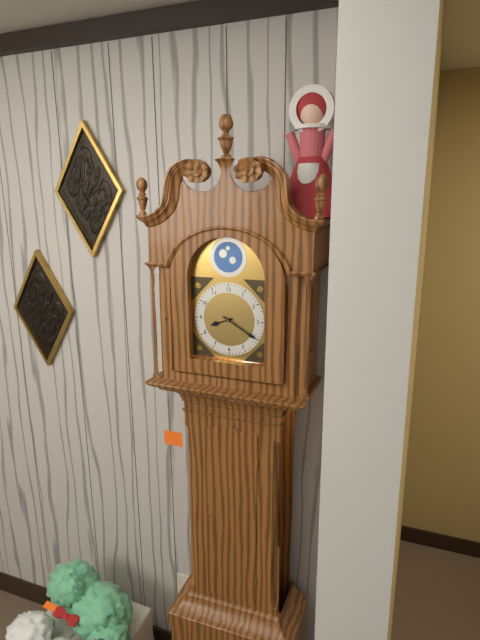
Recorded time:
8 h 20 min
